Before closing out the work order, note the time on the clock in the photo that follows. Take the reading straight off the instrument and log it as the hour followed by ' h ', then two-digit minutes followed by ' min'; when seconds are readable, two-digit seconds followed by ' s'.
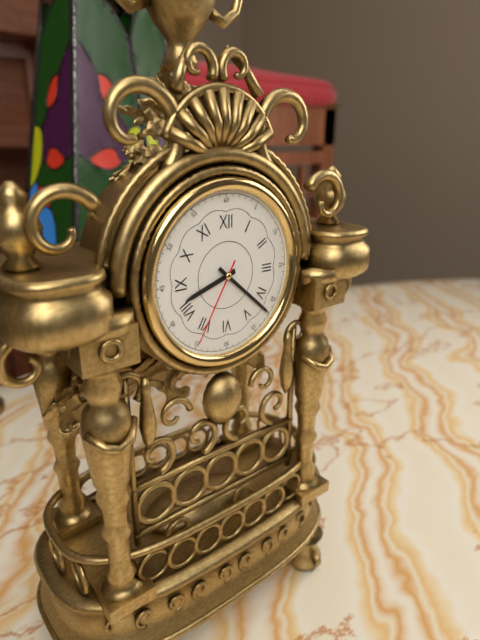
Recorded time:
8 h 22 min 35 s
